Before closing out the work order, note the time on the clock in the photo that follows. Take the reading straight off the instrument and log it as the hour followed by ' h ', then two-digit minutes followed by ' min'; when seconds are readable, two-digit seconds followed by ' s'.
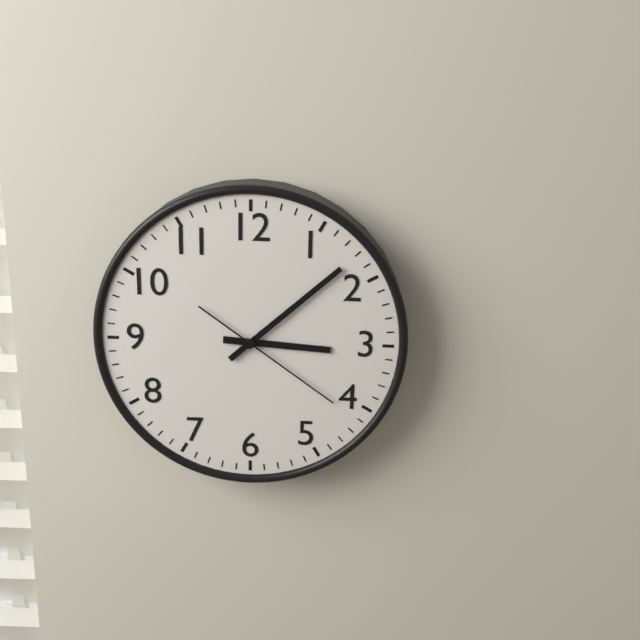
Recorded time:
3 h 08 min 21 s
